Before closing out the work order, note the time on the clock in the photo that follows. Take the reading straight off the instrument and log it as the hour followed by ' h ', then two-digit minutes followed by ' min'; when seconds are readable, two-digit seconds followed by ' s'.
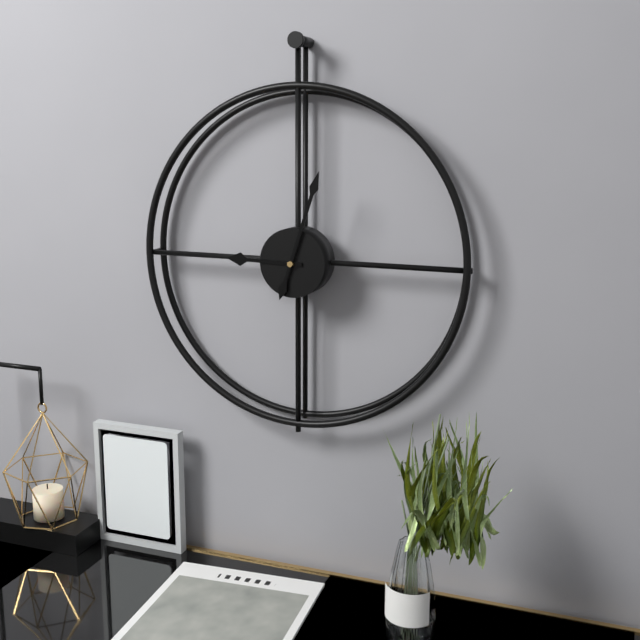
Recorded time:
9 h 03 min
